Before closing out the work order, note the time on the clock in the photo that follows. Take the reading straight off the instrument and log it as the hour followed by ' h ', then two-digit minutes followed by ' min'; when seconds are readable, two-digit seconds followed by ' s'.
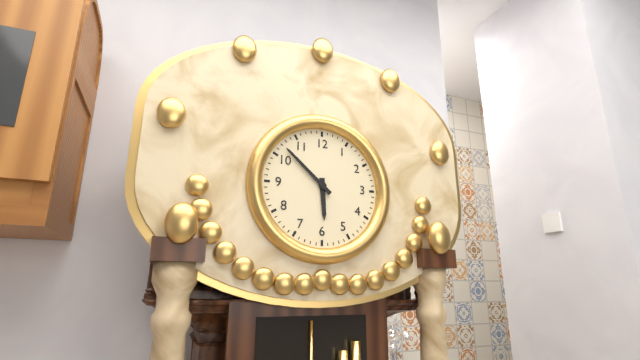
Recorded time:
5 h 52 min
